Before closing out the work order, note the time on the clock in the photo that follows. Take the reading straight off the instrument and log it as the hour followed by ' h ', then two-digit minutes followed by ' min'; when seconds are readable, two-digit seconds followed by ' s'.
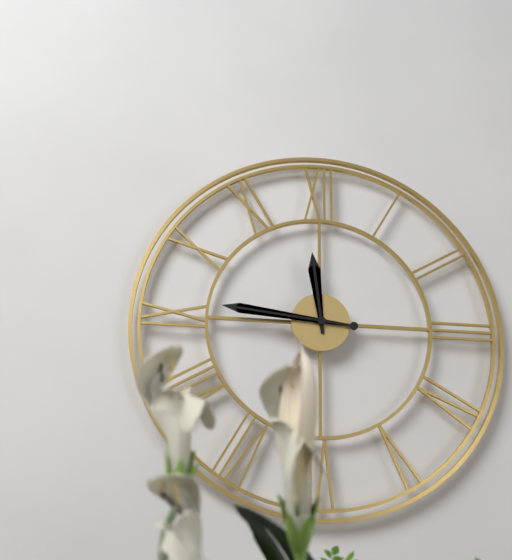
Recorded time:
11 h 46 min
